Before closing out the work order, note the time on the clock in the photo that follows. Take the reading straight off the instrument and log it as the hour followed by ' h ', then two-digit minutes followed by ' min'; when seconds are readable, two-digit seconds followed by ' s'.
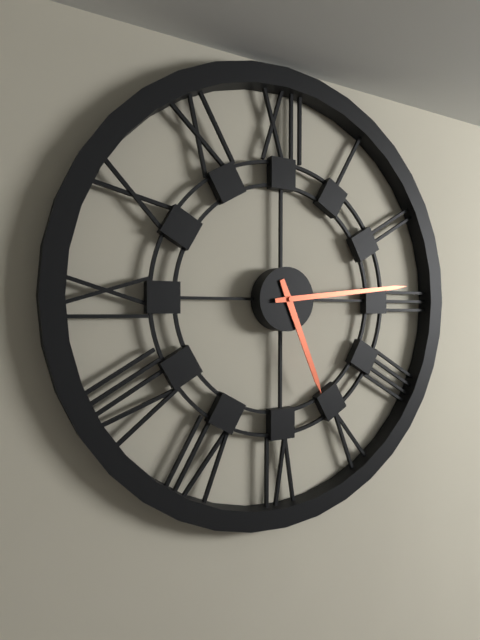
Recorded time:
5 h 14 min
